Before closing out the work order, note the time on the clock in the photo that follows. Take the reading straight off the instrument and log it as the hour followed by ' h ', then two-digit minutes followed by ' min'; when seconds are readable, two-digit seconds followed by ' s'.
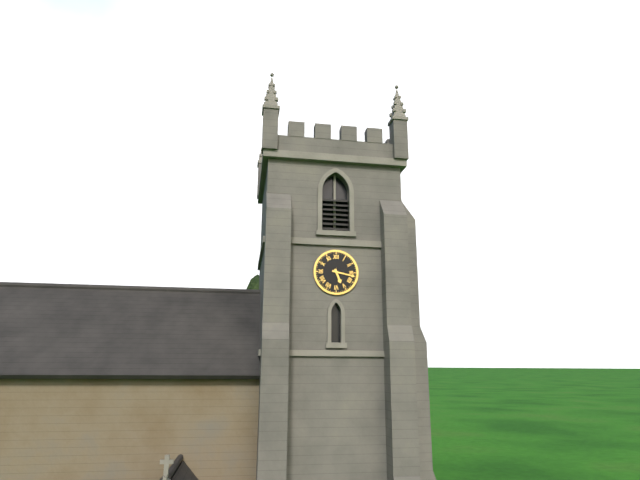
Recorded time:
5 h 17 min
